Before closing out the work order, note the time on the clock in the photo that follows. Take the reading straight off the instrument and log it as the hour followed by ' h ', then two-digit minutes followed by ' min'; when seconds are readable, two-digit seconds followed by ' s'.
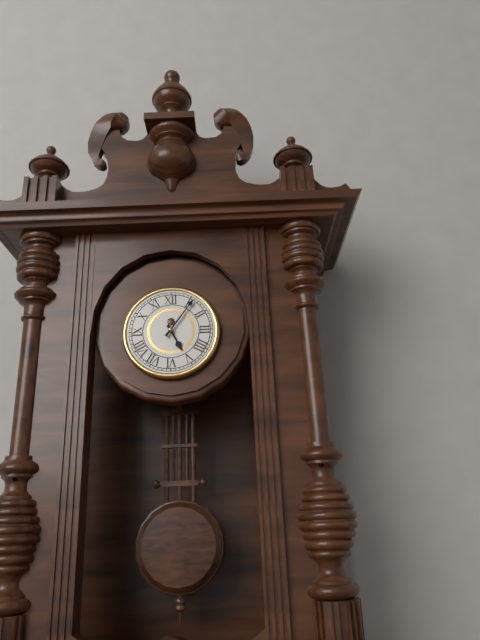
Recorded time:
5 h 06 min
